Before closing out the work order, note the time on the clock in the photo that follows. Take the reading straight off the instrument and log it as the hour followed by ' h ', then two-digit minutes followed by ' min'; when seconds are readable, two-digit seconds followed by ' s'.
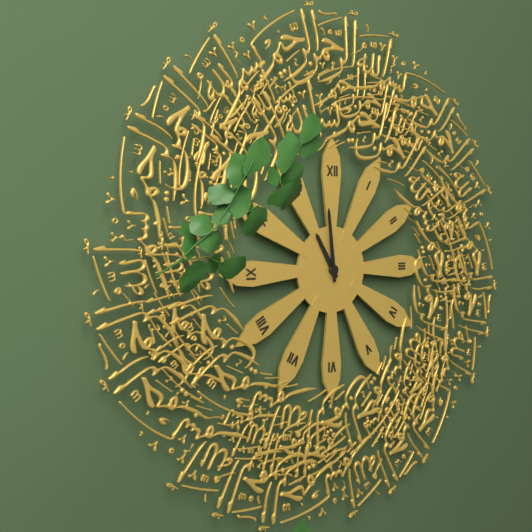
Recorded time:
10 h 59 min
